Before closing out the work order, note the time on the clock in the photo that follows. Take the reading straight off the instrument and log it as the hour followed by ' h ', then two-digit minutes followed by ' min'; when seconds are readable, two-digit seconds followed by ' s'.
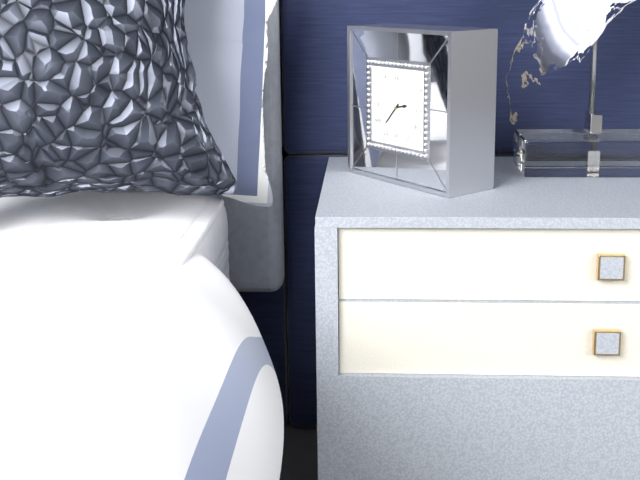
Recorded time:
2 h 37 min
